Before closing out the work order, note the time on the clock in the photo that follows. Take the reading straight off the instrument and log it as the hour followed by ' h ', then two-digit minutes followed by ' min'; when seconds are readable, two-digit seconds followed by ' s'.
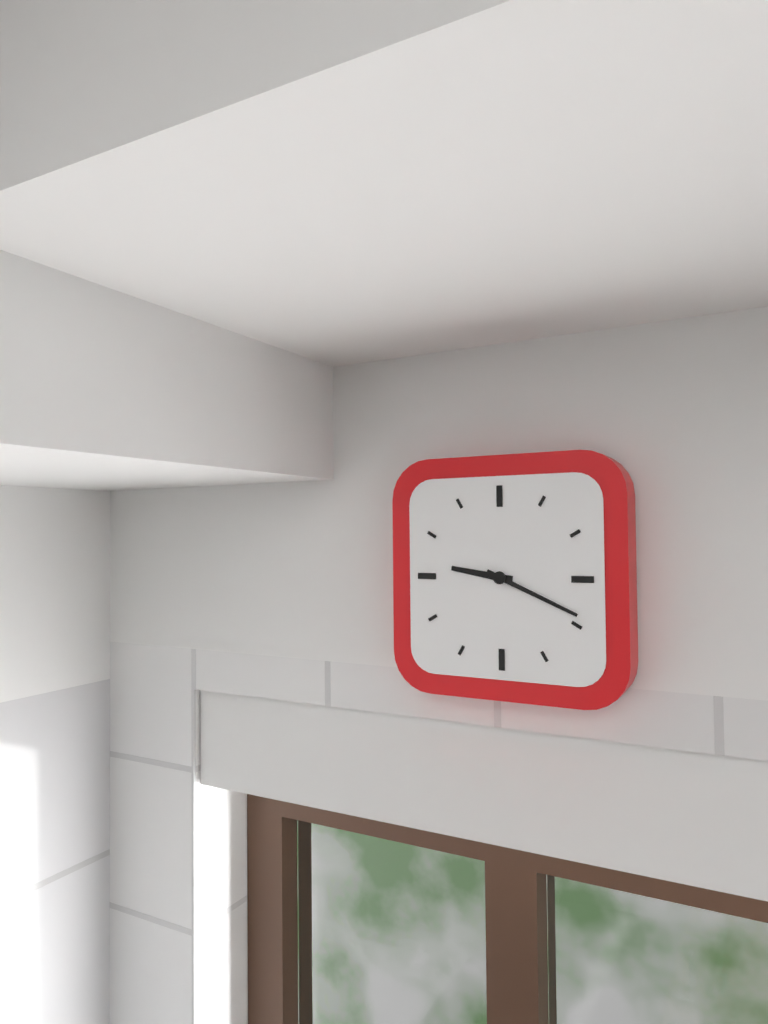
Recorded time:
9 h 19 min
